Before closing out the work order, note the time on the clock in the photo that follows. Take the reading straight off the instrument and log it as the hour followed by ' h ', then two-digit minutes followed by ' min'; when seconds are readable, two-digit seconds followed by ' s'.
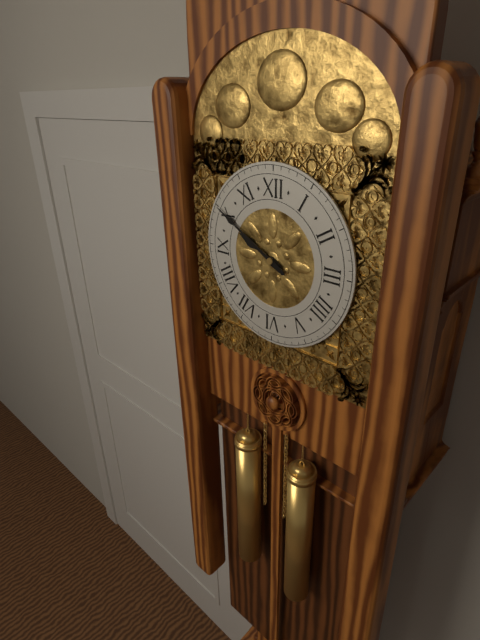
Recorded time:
9 h 50 min
